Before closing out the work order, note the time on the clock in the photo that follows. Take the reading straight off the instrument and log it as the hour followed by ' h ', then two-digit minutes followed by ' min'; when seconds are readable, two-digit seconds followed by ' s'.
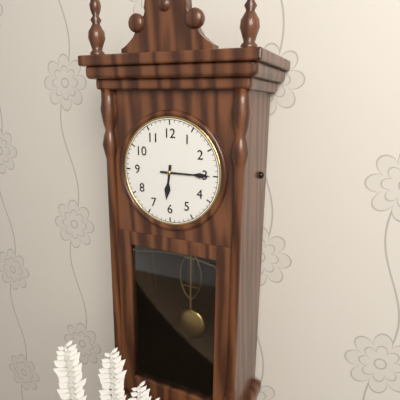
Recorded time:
6 h 15 min
